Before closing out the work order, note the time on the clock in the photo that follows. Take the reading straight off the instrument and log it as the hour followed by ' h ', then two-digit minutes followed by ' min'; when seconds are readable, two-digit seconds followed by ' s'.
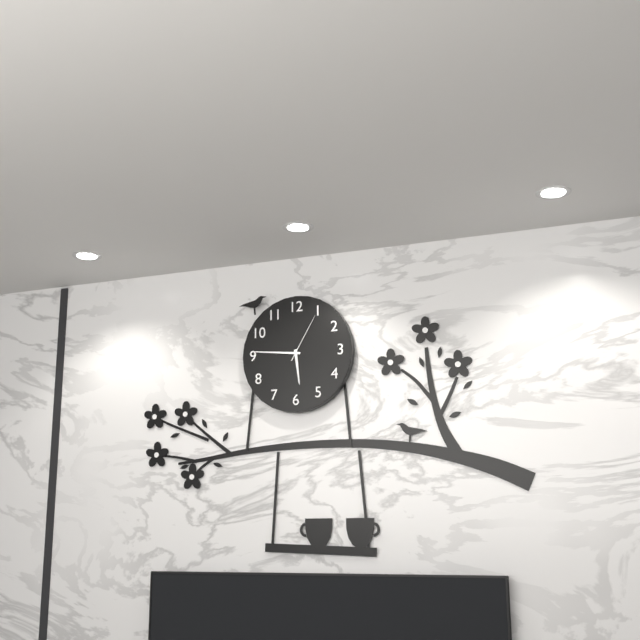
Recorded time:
5 h 46 min 05 s
